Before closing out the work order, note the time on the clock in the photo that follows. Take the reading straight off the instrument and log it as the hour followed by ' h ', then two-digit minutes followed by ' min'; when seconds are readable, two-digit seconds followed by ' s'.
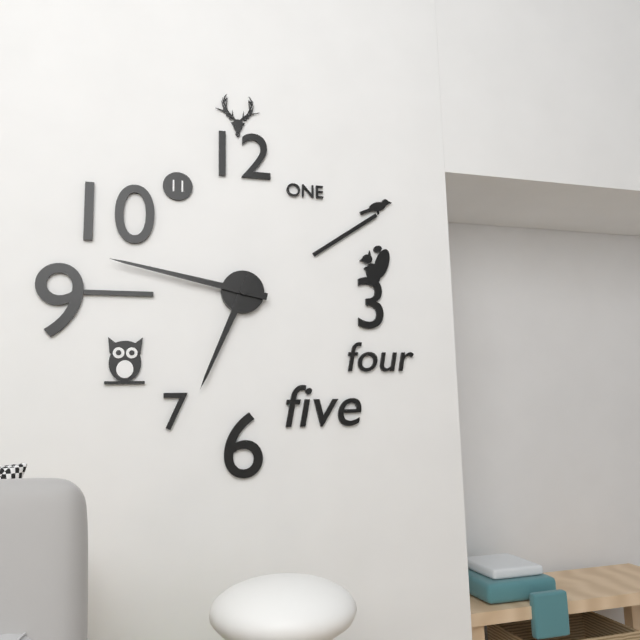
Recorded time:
6 h 47 min
